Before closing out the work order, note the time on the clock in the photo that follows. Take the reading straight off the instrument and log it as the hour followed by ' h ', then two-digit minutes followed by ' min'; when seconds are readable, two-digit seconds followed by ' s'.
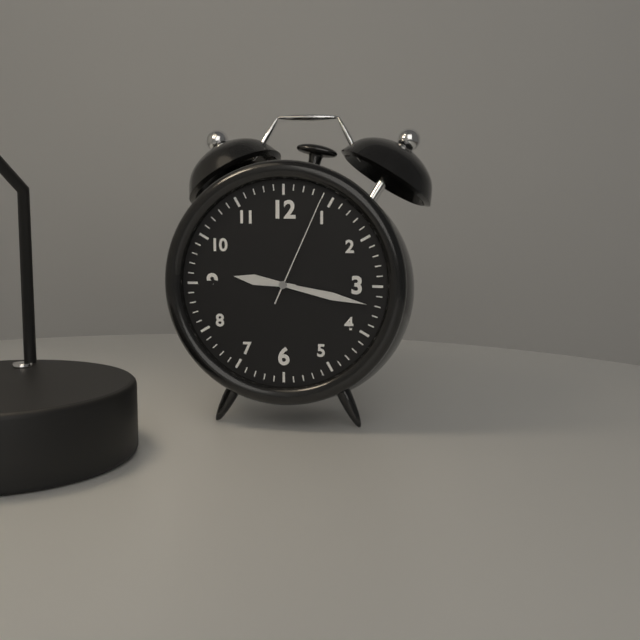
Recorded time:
9 h 17 min 04 s
